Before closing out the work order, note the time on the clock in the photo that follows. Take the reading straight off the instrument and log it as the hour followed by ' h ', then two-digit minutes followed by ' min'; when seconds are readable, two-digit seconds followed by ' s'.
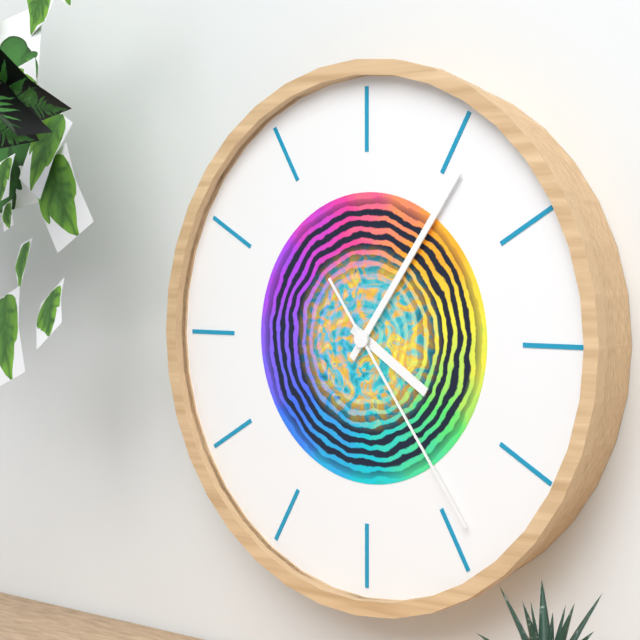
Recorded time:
4 h 06 min 24 s
